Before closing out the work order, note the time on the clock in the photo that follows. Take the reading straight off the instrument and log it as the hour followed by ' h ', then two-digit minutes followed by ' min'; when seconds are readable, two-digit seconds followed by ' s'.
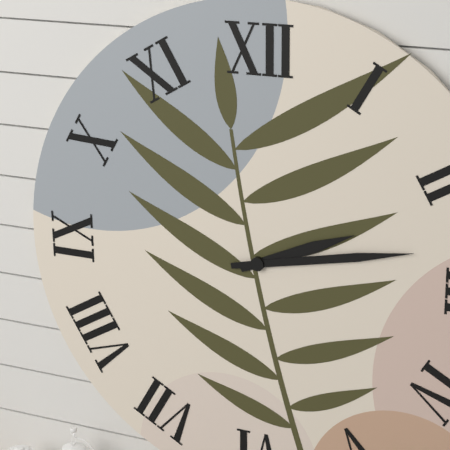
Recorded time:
2 h 13 min
